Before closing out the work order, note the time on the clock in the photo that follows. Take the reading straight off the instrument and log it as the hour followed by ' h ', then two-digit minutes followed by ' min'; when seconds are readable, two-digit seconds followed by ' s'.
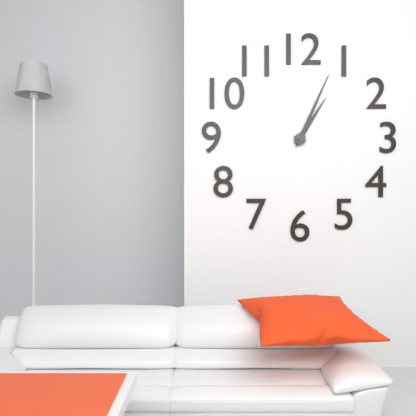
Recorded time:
1 h 04 min
